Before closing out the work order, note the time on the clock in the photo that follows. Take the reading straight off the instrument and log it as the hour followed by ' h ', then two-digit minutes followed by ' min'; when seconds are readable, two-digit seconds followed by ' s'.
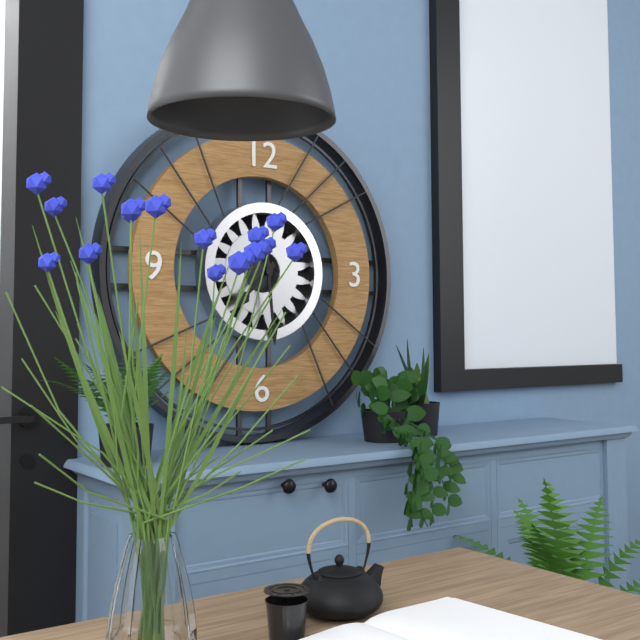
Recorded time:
7 h 29 min
